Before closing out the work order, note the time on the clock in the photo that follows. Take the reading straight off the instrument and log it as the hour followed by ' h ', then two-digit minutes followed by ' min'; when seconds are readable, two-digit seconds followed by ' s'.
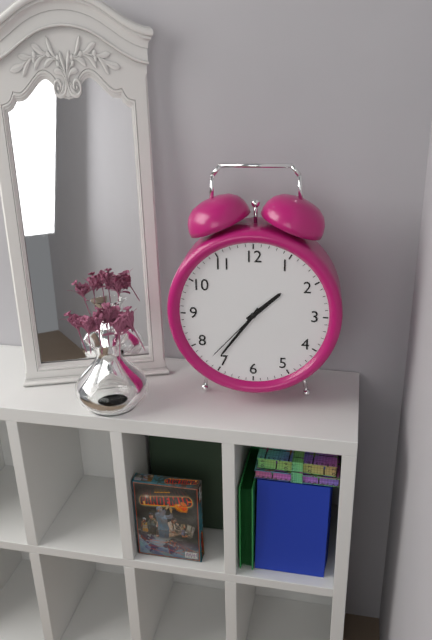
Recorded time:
1 h 36 min 37 s
